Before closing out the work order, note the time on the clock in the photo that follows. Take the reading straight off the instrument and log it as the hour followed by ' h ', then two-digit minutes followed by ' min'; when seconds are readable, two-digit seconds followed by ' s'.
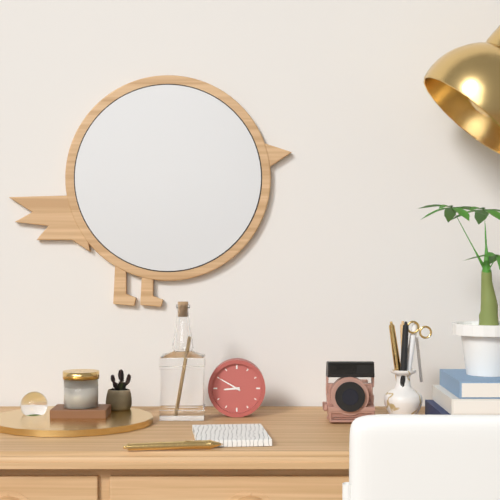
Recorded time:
8 h 50 min
